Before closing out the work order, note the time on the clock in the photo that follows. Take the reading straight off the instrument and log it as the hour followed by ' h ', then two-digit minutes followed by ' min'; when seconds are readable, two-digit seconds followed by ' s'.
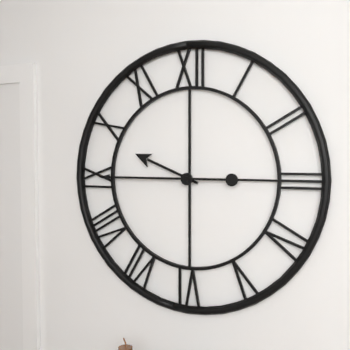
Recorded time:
9 h 45 min
